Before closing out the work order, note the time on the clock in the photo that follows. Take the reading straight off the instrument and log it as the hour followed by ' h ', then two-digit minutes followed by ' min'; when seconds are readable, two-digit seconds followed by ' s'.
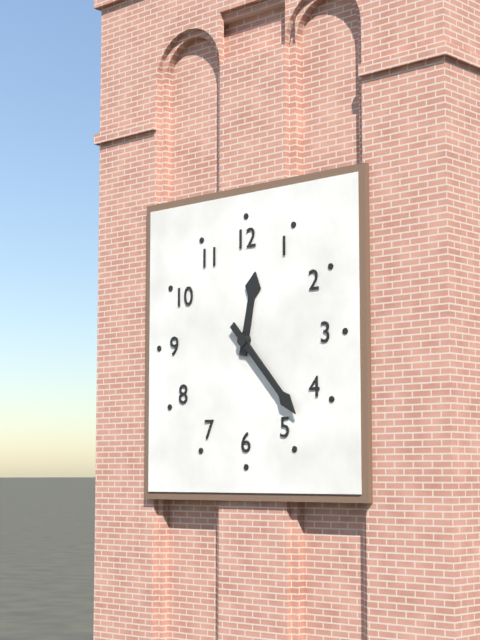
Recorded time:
12 h 23 min
